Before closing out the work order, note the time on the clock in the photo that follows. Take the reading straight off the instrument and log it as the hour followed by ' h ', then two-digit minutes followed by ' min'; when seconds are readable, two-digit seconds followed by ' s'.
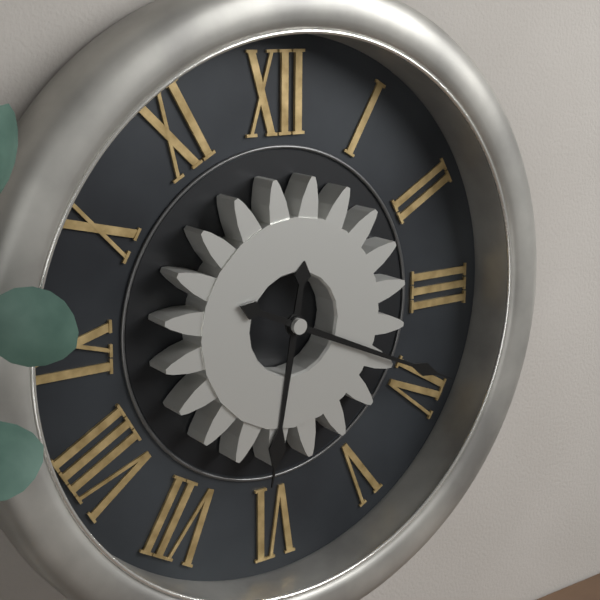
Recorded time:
6 h 19 min
